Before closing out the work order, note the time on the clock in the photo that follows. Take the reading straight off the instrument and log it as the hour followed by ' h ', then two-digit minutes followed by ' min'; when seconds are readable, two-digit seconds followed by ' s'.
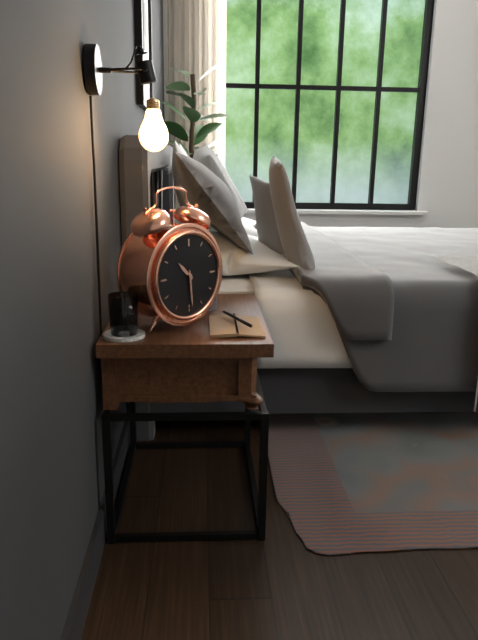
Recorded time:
10 h 29 min
